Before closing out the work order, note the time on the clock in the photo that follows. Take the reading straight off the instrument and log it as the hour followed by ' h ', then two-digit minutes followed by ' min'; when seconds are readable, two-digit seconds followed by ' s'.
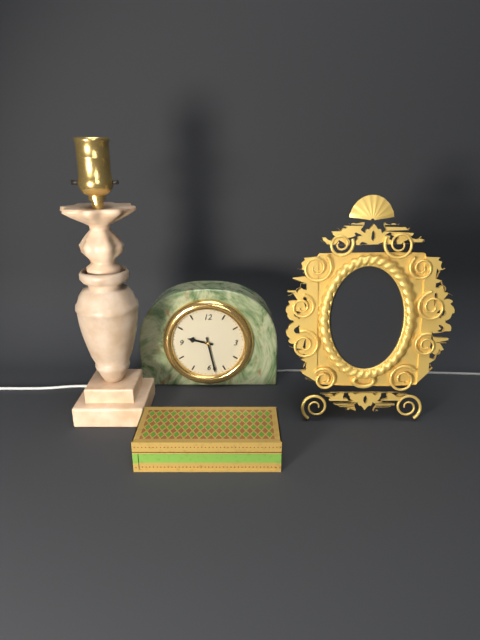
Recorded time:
9 h 28 min
